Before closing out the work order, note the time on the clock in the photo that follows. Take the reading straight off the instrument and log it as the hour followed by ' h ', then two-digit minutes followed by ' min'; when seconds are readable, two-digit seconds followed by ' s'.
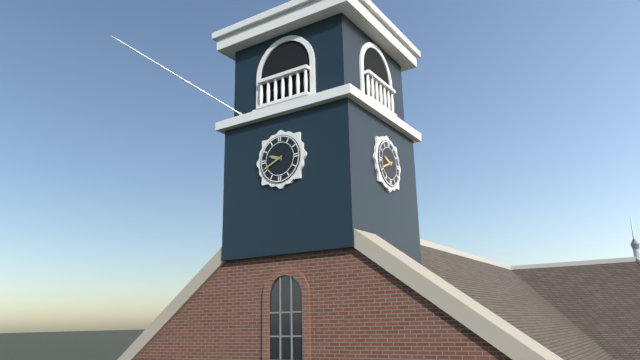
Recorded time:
9 h 41 min
